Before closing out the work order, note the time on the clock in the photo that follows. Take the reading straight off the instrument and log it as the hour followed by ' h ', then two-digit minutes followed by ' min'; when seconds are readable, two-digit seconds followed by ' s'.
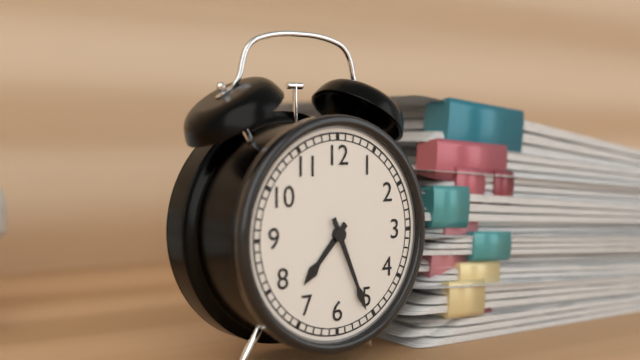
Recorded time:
7 h 26 min
